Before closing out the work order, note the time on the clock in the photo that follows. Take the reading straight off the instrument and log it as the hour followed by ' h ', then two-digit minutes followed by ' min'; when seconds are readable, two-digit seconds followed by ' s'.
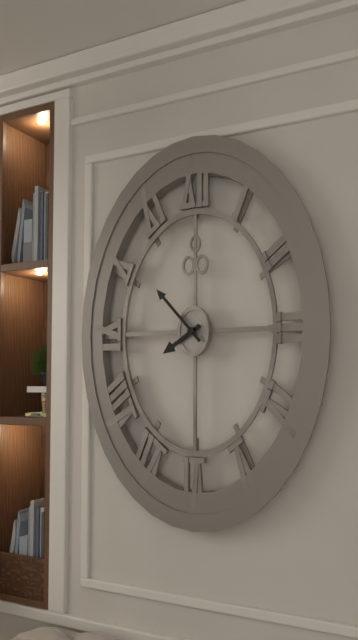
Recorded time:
7 h 53 min
